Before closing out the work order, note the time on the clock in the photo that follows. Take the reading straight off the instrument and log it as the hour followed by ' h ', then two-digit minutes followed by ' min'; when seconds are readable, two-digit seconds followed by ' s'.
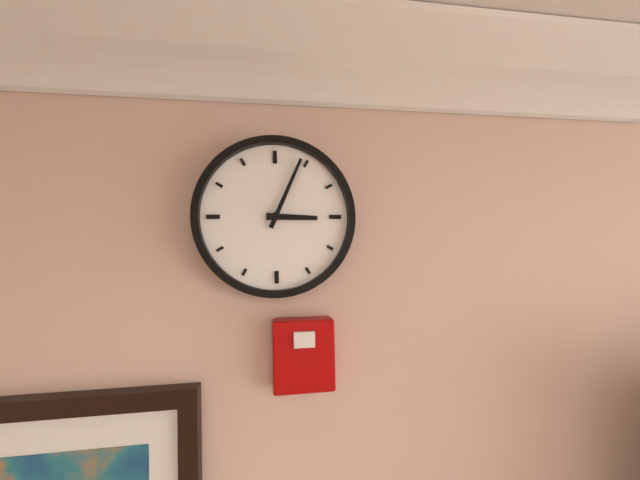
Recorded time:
3 h 04 min
